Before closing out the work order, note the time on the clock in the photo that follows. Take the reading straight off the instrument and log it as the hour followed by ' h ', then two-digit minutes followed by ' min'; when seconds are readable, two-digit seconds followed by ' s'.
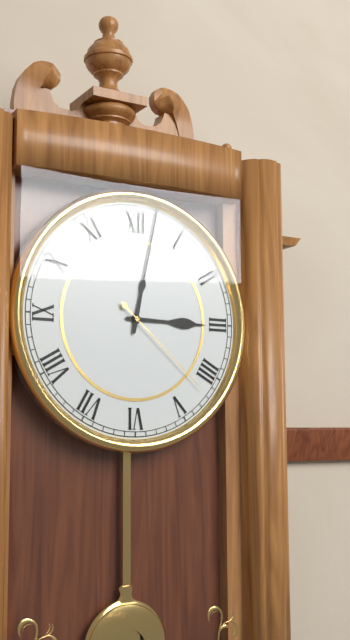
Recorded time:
3 h 02 min 22 s
